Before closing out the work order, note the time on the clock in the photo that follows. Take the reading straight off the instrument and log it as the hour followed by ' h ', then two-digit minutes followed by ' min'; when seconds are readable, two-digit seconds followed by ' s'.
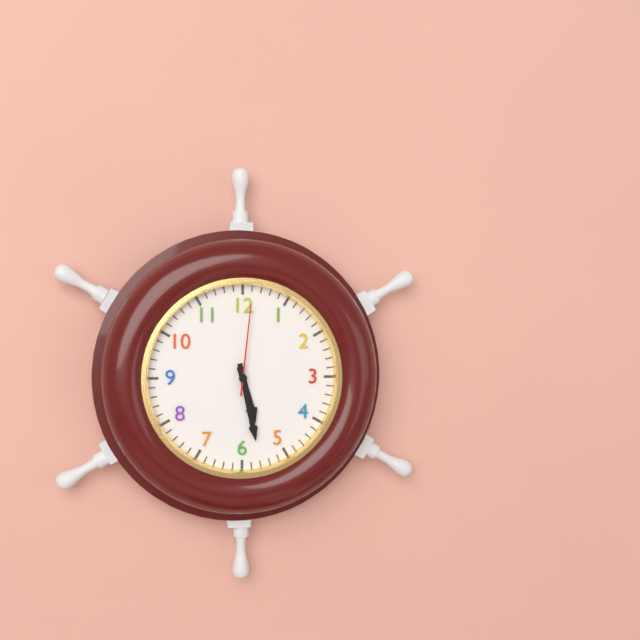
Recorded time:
5 h 28 min 01 s
